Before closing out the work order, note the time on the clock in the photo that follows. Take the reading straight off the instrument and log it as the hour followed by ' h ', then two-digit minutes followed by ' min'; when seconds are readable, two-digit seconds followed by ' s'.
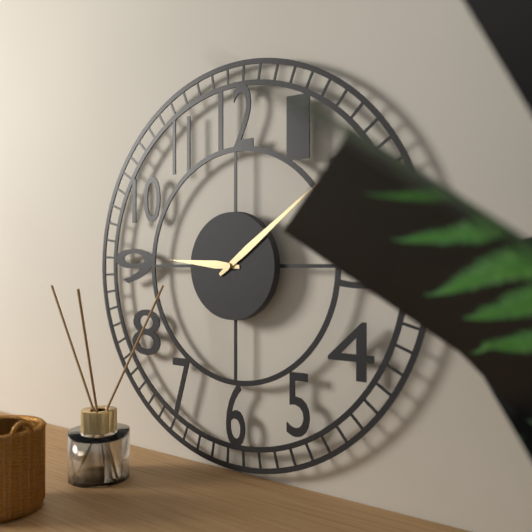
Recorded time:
9 h 09 min
